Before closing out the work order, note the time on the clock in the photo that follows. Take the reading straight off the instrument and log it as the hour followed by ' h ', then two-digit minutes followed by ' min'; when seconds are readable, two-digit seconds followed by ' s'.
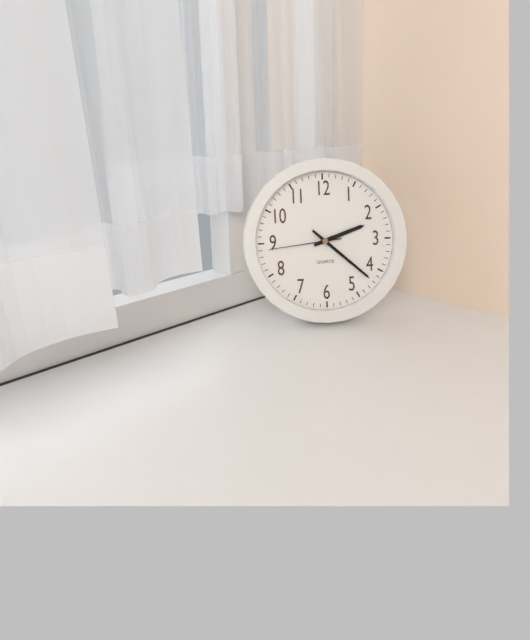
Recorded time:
2 h 22 min 44 s
